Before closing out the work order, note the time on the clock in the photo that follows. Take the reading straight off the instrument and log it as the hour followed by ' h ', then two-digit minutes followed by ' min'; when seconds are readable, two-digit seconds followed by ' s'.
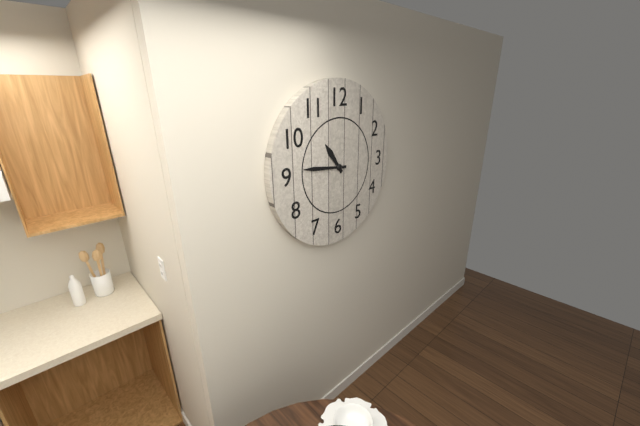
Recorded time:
10 h 46 min
